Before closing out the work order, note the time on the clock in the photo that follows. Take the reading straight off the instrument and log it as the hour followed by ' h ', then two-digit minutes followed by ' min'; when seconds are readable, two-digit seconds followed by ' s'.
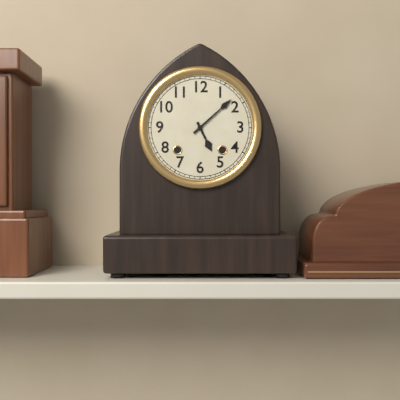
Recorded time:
5 h 08 min
